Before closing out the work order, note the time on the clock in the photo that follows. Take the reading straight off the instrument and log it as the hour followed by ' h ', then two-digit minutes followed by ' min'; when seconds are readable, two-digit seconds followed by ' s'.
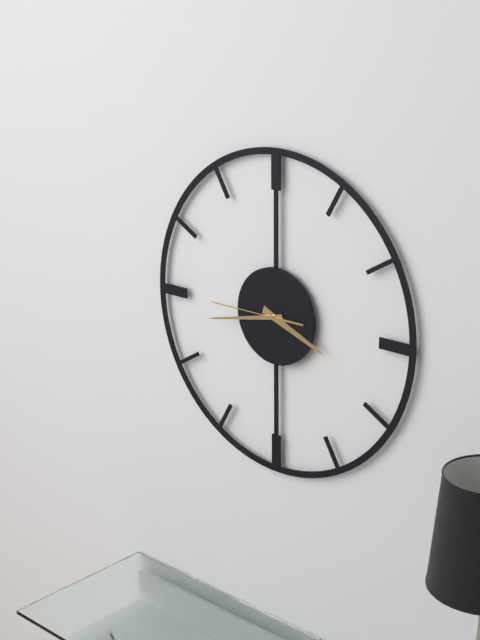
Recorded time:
3 h 43 min 45 s
